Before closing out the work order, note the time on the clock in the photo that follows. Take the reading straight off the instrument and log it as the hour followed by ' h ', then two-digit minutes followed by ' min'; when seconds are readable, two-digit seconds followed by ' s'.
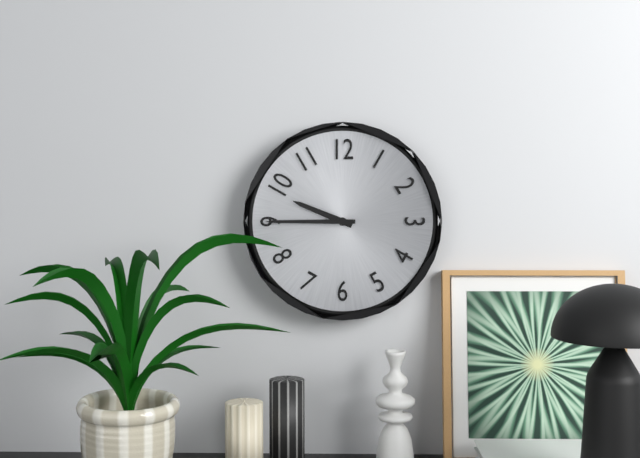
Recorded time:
9 h 45 min
